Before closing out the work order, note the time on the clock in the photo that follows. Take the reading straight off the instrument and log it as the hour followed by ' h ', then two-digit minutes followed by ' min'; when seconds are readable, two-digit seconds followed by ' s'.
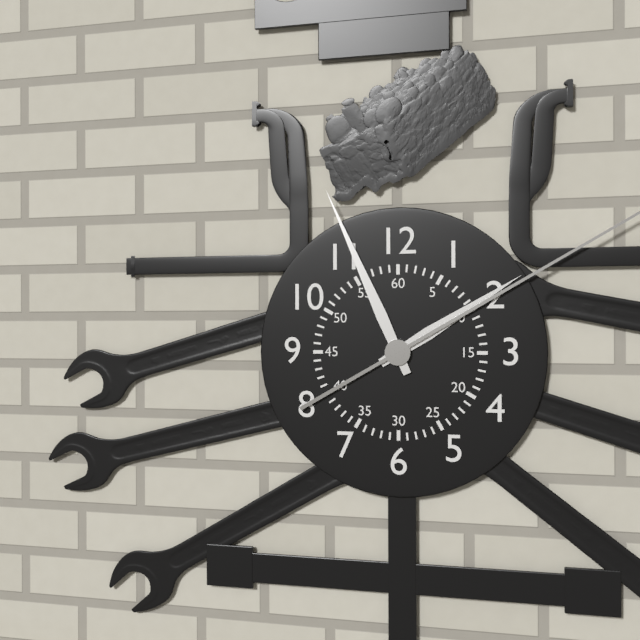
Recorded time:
1 h 56 min
